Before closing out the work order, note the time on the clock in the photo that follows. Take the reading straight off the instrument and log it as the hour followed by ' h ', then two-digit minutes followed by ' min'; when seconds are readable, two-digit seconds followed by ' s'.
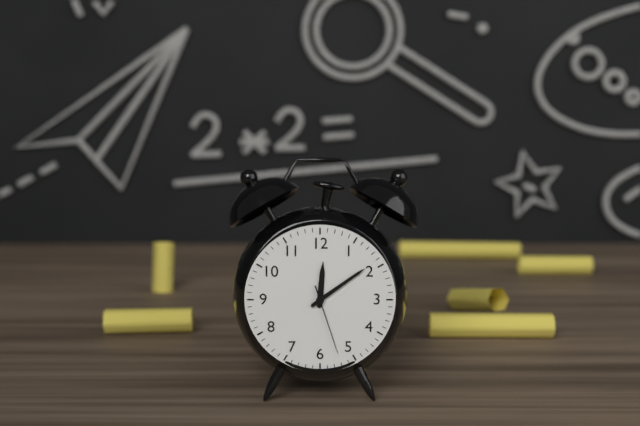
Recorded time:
12 h 09 min 27 s
